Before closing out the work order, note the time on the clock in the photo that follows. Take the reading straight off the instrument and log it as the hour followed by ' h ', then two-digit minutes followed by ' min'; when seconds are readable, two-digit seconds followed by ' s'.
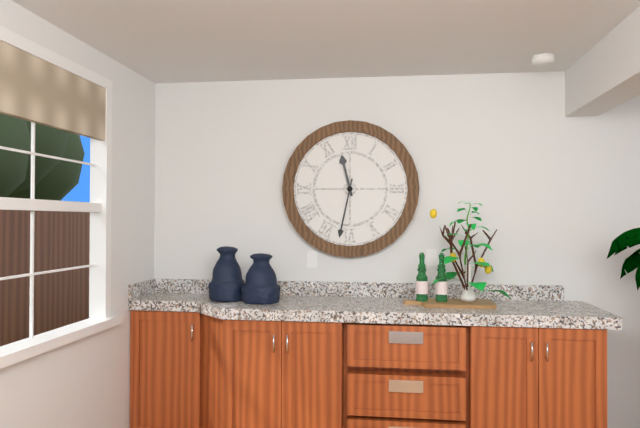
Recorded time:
11 h 32 min
